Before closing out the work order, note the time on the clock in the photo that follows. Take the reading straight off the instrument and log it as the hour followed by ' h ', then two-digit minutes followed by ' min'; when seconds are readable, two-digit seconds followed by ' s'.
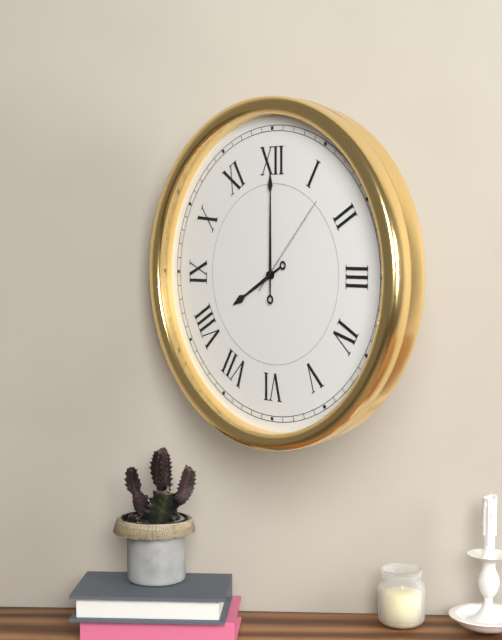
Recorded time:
8 h 00 min 07 s
